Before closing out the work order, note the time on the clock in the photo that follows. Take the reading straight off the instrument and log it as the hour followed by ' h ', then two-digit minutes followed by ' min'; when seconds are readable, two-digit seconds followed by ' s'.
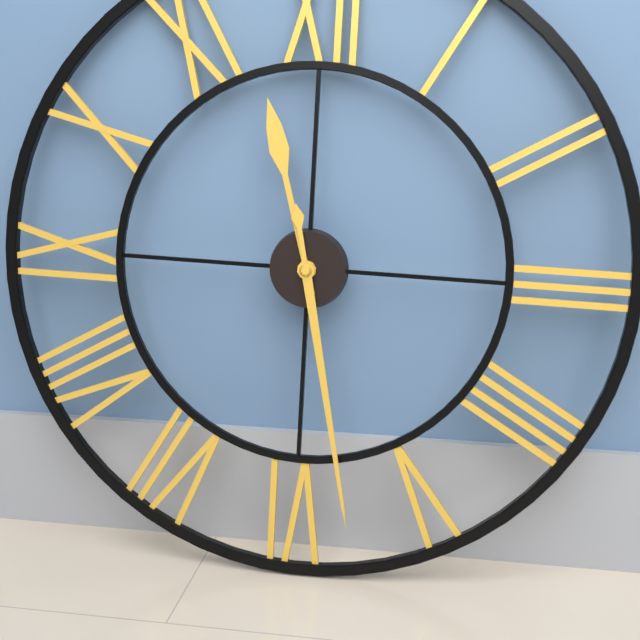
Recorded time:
11 h 28 min
